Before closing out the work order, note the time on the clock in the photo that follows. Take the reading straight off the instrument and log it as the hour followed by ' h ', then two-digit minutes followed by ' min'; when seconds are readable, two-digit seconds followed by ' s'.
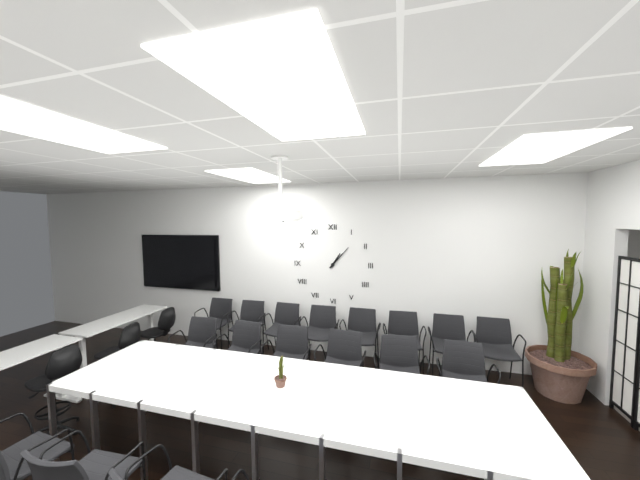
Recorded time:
1 h 07 min
